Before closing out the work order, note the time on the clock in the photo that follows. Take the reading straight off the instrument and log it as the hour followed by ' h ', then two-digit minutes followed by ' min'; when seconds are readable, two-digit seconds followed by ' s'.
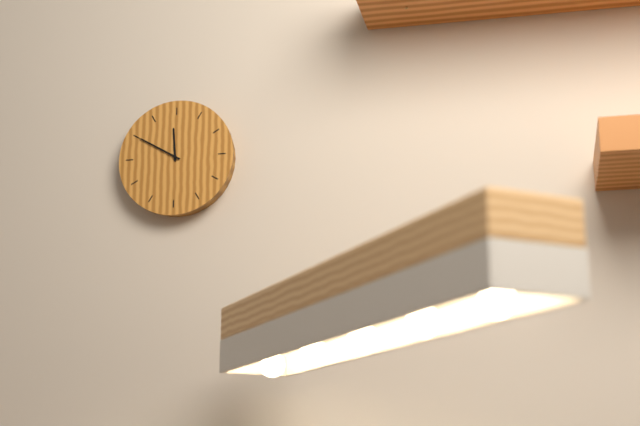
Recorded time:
11 h 50 min
